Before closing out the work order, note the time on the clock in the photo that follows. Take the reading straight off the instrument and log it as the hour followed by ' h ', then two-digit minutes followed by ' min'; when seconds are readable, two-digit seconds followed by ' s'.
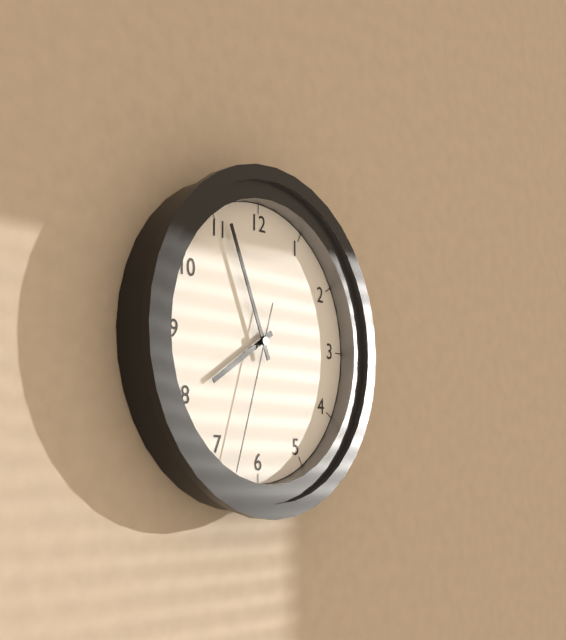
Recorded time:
7 h 56 min 33 s
